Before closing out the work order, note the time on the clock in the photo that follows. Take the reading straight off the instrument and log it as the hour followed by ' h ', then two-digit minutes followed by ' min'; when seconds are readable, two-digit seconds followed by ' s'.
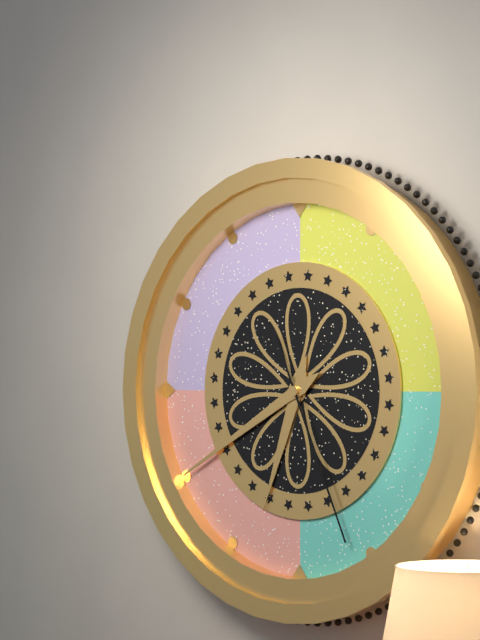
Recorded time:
6 h 40 min 26 s
